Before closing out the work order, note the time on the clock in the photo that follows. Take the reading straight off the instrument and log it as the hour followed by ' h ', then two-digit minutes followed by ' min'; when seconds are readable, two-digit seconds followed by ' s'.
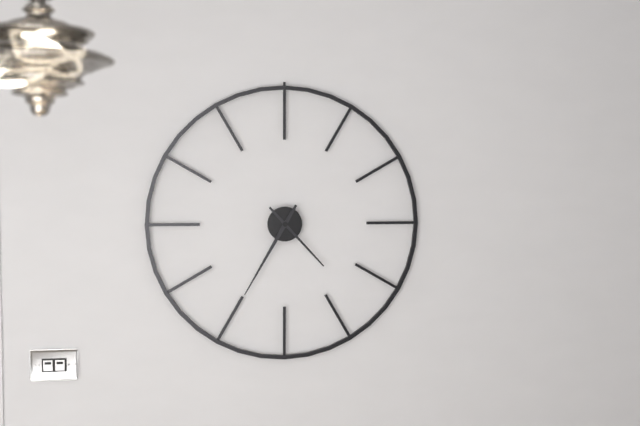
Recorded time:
4 h 35 min
